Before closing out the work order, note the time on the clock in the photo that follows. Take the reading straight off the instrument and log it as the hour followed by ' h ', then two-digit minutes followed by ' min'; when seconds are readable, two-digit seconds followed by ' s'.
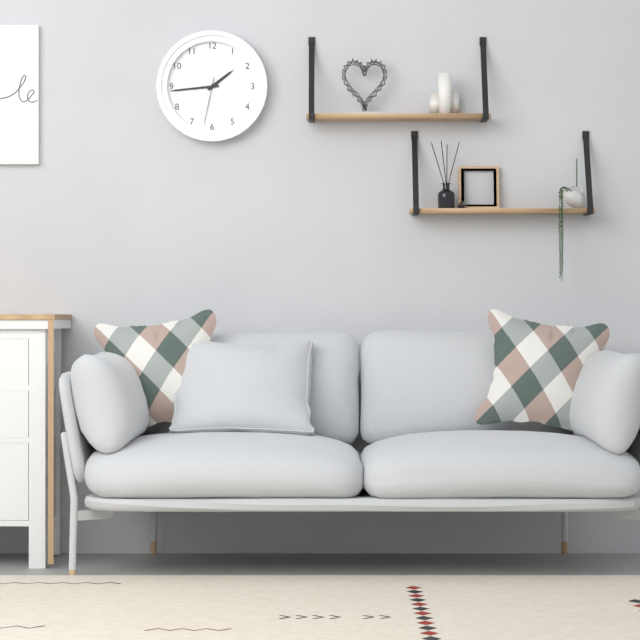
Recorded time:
1 h 44 min
